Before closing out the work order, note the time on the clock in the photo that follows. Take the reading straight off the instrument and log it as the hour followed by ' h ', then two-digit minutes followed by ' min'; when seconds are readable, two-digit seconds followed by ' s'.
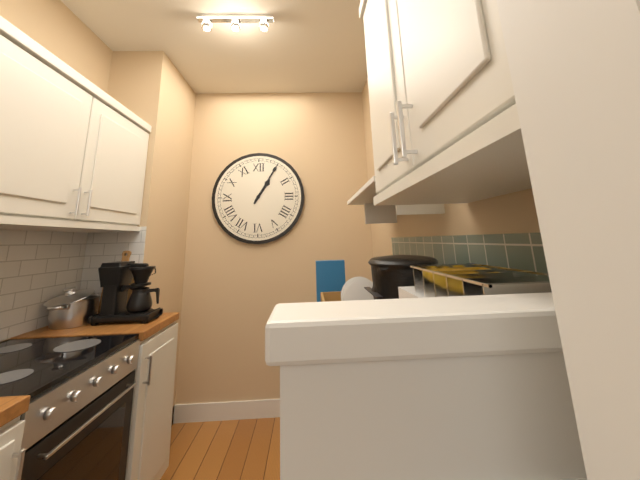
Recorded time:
1 h 05 min
